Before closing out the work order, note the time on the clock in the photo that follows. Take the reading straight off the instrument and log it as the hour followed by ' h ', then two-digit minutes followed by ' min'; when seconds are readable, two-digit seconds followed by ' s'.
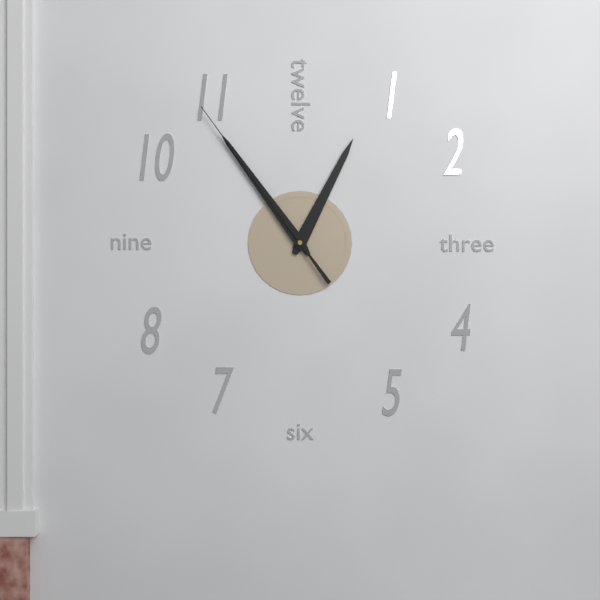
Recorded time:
12 h 54 min 54 s
